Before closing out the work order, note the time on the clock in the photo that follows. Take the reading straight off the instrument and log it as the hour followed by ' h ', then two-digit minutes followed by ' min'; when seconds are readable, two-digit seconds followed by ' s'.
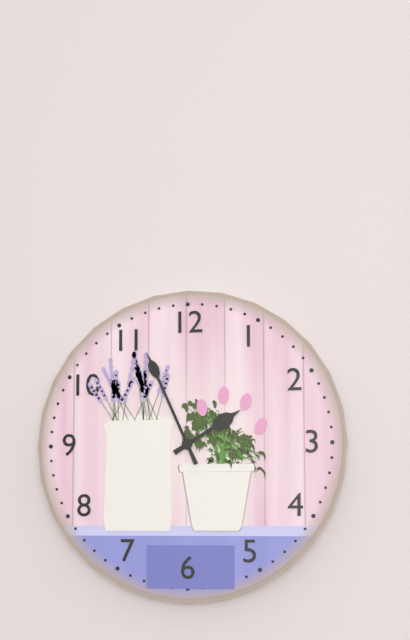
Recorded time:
1 h 56 min
